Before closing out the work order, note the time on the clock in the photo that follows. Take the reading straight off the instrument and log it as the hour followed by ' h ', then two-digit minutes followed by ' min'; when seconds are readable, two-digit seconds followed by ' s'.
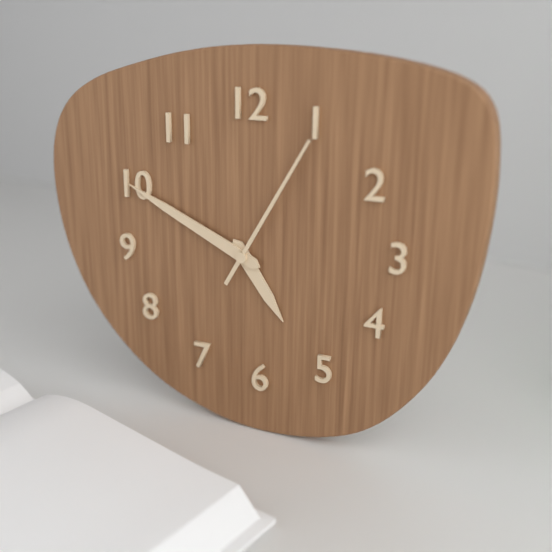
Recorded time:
4 h 49 min 05 s
